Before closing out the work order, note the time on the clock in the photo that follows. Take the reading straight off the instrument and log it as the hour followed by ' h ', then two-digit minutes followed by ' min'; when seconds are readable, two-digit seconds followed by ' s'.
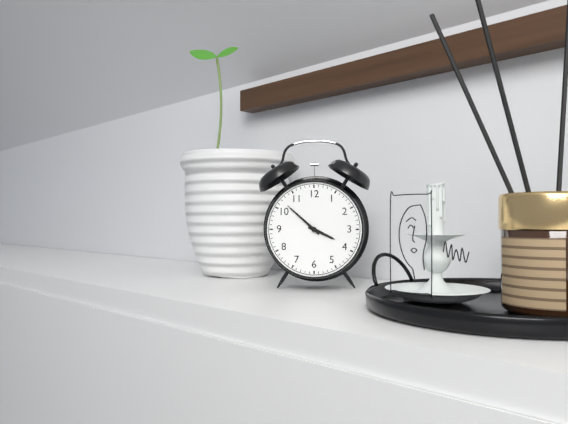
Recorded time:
3 h 52 min
